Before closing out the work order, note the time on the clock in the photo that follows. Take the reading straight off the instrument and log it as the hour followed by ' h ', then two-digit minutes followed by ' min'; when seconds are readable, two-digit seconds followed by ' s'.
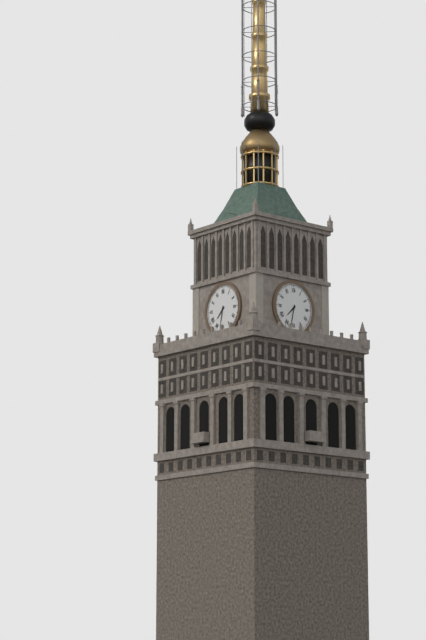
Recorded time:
7 h 32 min
